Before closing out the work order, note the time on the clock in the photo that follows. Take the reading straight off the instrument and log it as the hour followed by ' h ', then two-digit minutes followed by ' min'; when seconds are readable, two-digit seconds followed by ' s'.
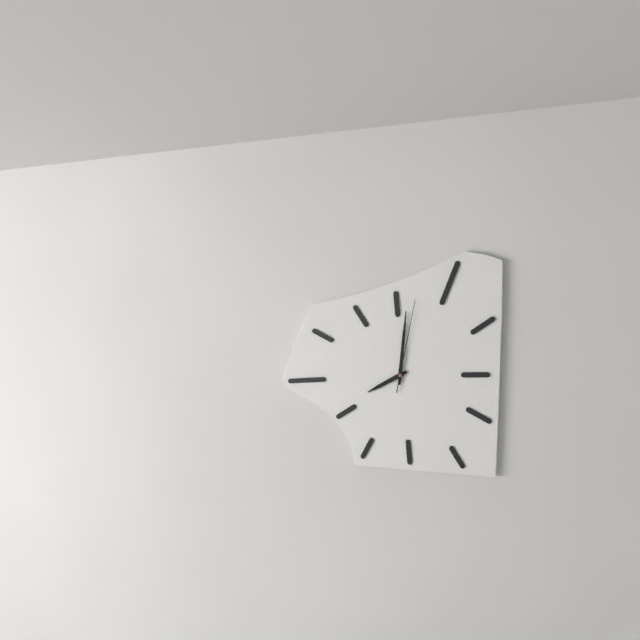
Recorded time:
8 h 01 min 02 s
